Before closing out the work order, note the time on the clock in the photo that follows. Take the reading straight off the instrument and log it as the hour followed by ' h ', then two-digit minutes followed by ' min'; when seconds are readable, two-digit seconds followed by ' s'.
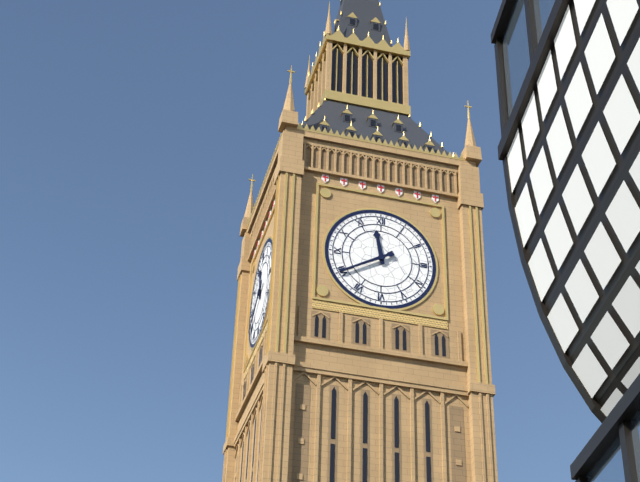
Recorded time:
11 h 40 min
